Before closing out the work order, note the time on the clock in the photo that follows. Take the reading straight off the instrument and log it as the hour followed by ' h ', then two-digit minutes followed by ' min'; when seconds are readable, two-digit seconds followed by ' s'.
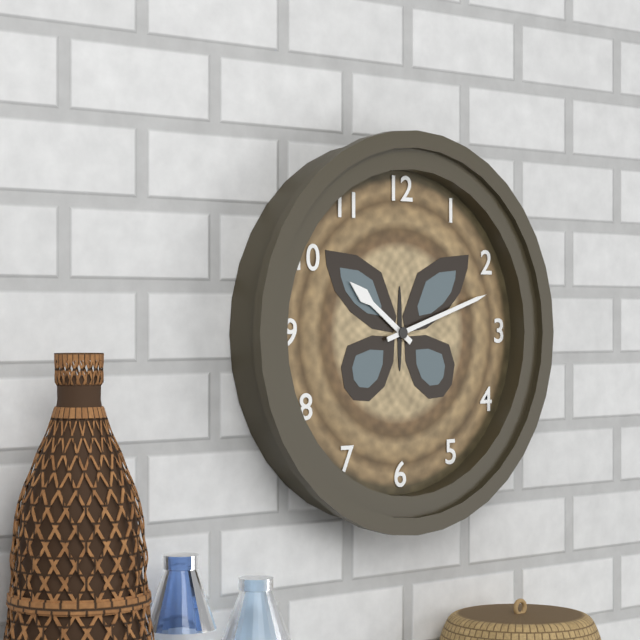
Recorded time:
10 h 12 min
